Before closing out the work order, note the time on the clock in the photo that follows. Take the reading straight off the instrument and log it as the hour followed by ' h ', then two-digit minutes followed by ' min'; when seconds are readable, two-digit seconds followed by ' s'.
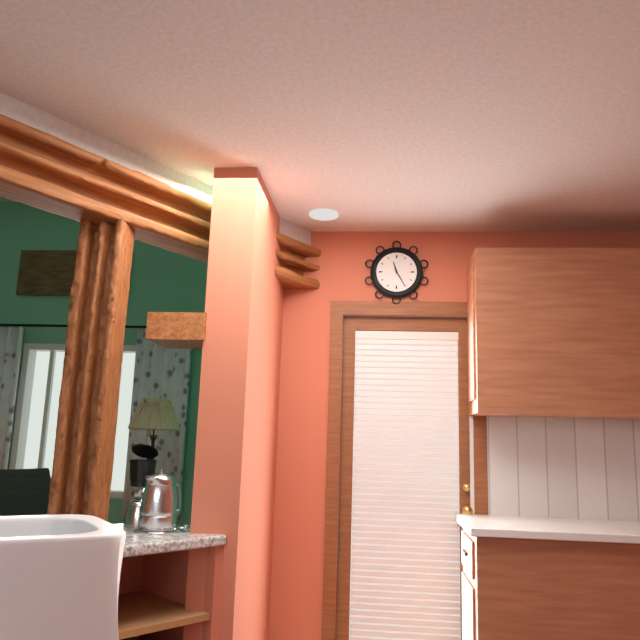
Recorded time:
11 h 25 min
